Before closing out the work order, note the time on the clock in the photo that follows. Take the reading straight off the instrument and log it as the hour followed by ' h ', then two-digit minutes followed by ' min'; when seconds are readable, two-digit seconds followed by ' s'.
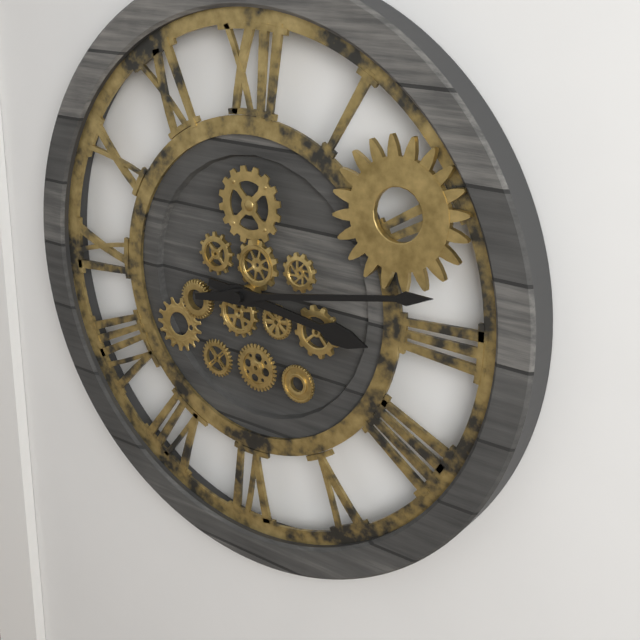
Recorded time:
3 h 13 min
